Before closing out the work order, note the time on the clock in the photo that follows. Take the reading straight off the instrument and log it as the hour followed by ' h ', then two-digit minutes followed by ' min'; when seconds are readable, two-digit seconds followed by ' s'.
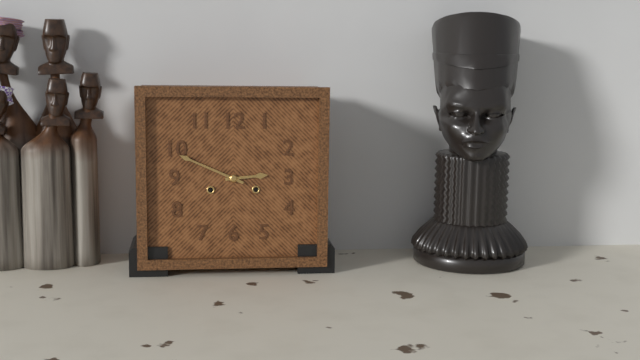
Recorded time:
2 h 49 min
